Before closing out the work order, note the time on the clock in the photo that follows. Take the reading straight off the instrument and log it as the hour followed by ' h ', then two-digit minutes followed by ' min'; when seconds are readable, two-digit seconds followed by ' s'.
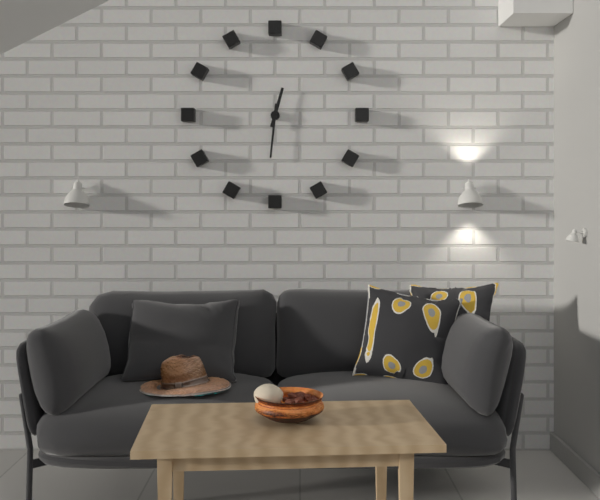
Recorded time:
12 h 31 min
